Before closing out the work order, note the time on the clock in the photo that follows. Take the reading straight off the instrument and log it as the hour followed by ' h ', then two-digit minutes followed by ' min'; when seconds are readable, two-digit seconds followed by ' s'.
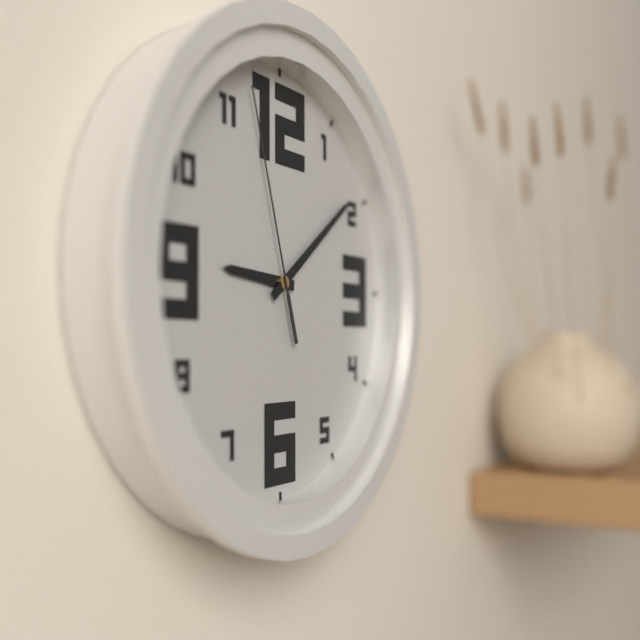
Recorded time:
9 h 09 min 57 s
